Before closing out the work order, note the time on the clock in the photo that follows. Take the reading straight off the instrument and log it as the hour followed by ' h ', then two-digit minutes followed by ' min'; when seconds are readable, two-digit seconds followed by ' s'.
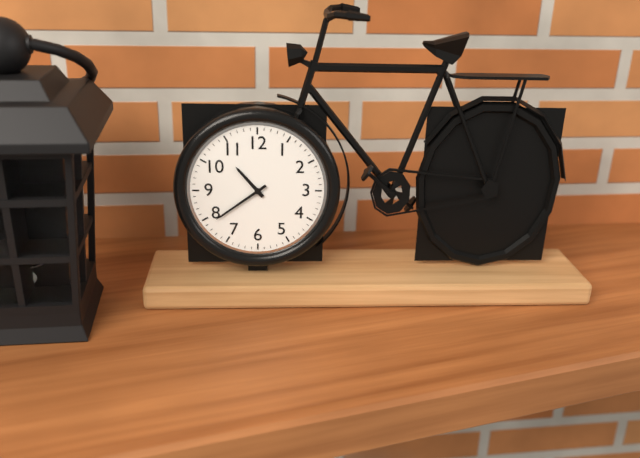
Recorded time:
10 h 39 min
